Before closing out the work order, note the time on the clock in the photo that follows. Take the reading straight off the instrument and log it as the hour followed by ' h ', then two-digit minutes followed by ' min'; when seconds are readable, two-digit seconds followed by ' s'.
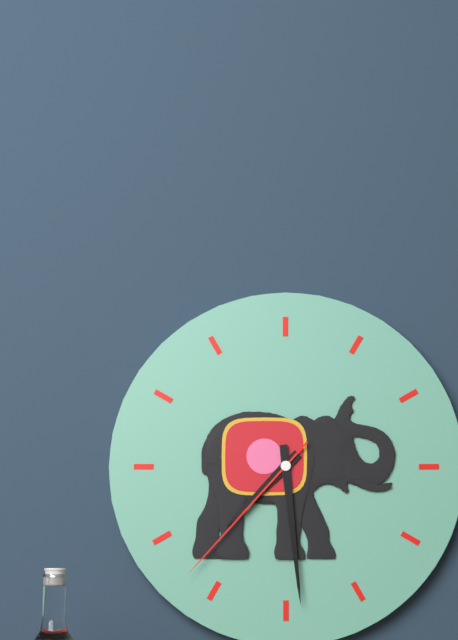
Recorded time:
7 h 29 min 37 s
